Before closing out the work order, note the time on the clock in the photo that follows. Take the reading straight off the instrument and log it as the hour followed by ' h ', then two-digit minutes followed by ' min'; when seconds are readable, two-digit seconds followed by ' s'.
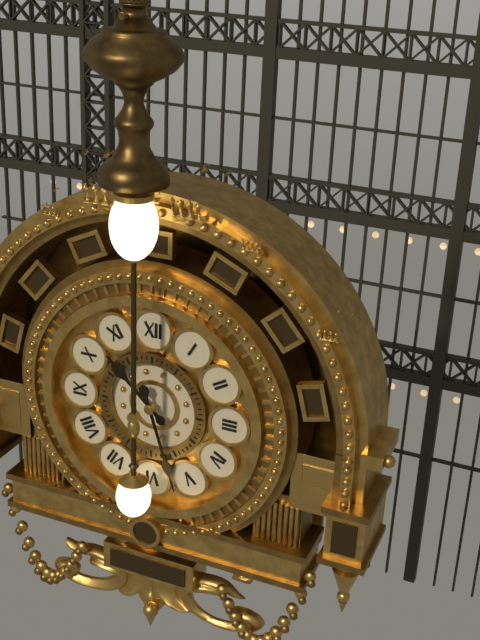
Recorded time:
10 h 27 min
